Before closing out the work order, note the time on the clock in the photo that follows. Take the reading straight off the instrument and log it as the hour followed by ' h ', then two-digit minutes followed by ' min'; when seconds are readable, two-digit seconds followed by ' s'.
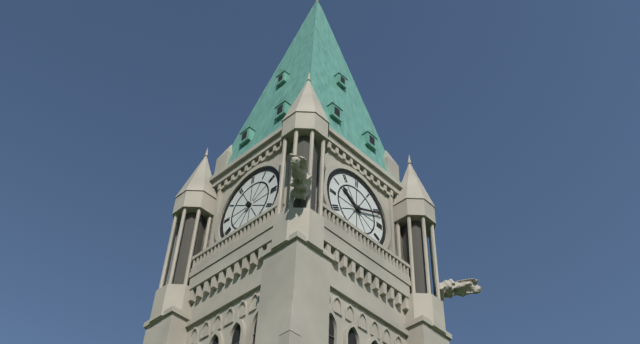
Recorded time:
10 h 11 min
